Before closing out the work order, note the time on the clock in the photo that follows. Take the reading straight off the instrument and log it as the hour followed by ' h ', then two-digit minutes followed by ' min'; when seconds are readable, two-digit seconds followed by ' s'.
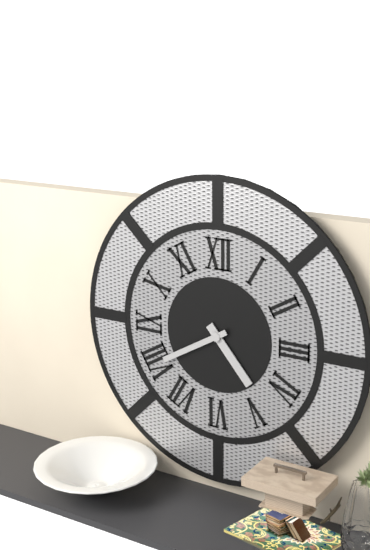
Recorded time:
4 h 40 min
